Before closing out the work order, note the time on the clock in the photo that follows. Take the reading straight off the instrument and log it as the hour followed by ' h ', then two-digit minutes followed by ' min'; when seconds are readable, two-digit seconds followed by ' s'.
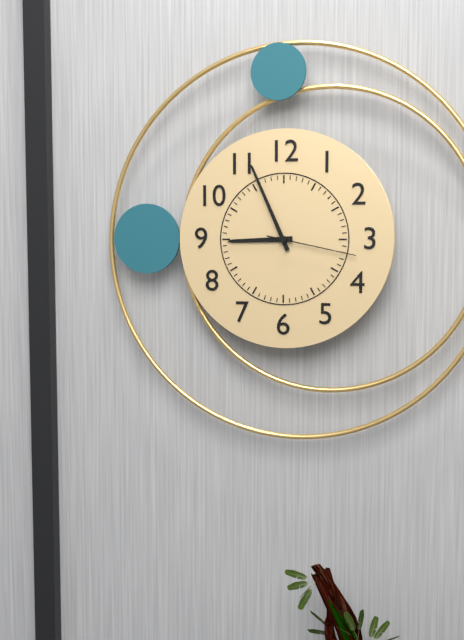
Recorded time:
8 h 56 min 17 s
